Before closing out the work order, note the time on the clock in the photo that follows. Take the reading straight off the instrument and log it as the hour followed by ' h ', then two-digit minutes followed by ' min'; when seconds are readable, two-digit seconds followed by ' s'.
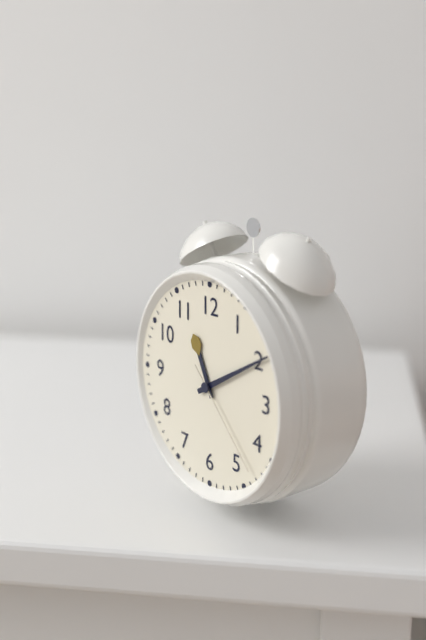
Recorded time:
11 h 10 min 23 s
